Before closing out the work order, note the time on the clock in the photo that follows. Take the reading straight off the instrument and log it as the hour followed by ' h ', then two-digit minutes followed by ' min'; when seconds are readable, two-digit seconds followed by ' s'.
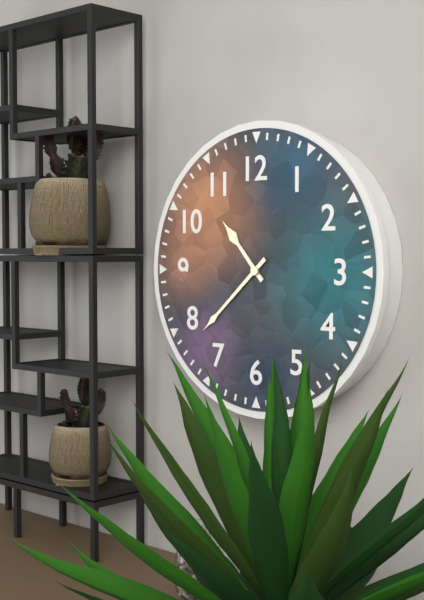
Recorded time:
10 h 38 min
